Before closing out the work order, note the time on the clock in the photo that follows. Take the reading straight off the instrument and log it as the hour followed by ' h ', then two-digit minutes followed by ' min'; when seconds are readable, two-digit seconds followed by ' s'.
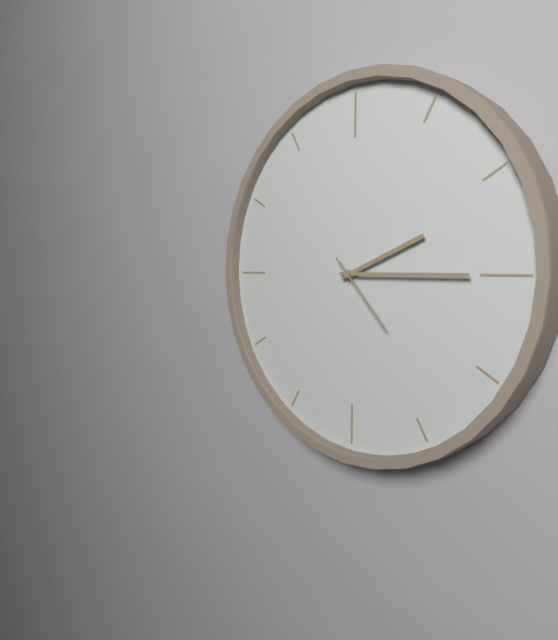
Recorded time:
2 h 15 min 23 s
